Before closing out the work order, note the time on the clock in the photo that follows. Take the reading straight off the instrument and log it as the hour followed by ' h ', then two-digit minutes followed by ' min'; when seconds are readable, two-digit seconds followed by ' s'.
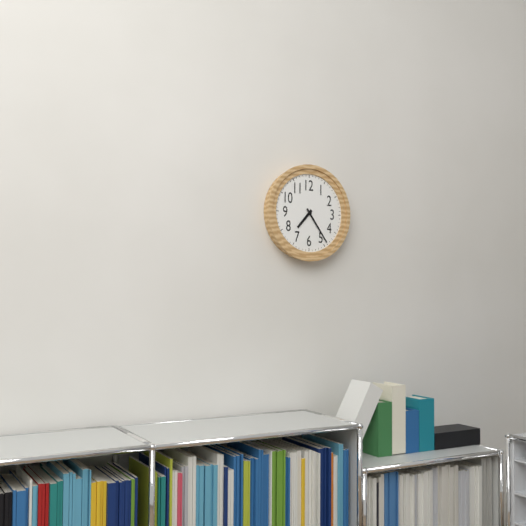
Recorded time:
7 h 24 min
